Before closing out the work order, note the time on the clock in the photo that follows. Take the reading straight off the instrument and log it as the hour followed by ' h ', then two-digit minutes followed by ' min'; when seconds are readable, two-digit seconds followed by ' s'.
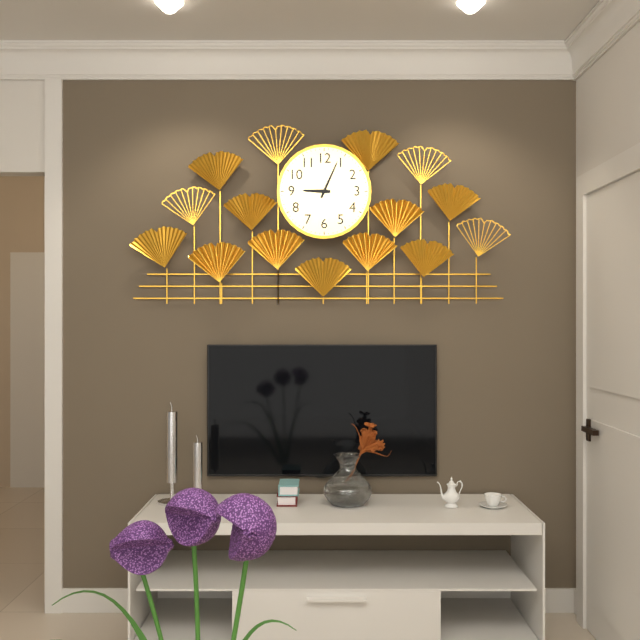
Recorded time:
9 h 04 min
